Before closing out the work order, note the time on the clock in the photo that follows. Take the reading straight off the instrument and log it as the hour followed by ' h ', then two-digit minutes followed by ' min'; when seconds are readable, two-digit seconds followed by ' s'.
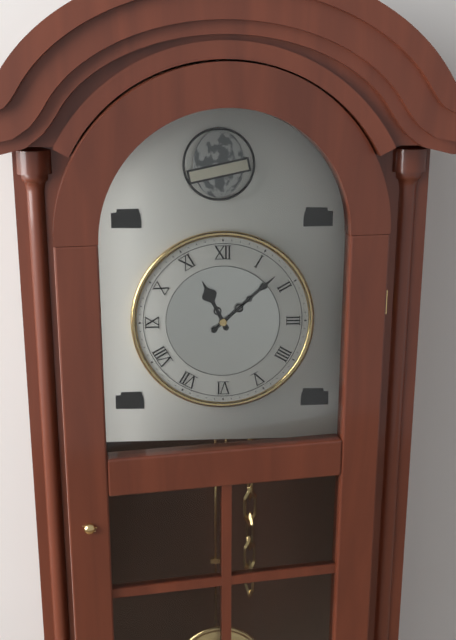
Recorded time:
11 h 08 min
